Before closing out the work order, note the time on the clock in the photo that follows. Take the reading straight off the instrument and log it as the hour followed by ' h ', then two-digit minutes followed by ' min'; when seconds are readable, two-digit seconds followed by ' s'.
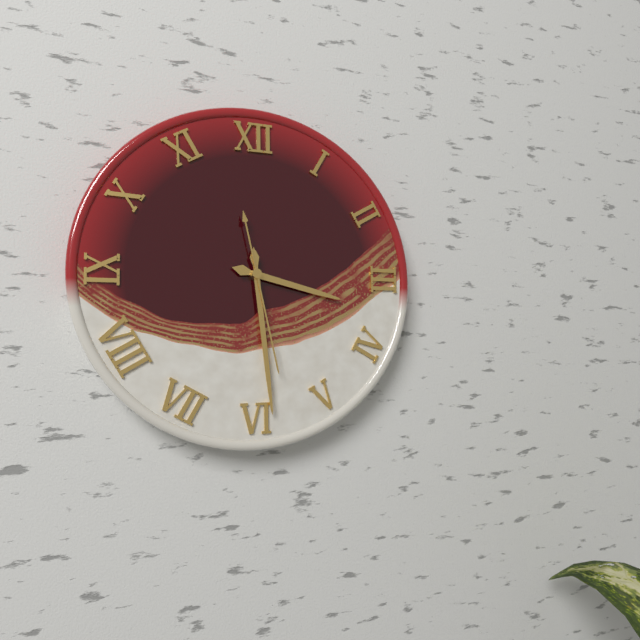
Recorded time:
3 h 29 min 28 s
